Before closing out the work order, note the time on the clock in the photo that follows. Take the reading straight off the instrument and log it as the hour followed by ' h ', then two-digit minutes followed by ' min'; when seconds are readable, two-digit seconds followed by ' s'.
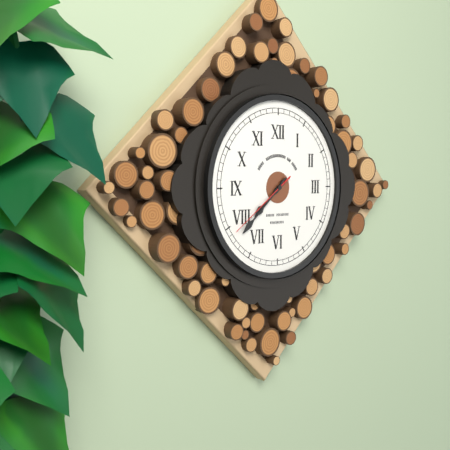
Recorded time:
7 h 38 min 39 s
